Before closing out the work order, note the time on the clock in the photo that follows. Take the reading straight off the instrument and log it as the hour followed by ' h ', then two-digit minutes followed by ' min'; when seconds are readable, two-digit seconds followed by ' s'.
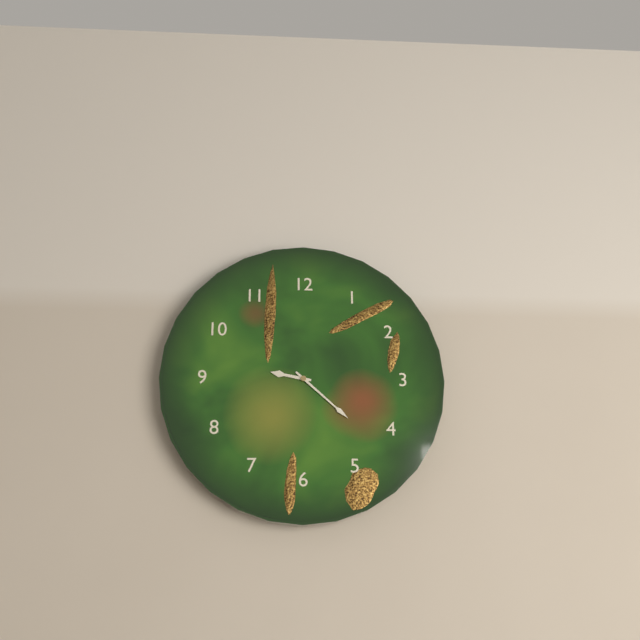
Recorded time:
9 h 22 min
